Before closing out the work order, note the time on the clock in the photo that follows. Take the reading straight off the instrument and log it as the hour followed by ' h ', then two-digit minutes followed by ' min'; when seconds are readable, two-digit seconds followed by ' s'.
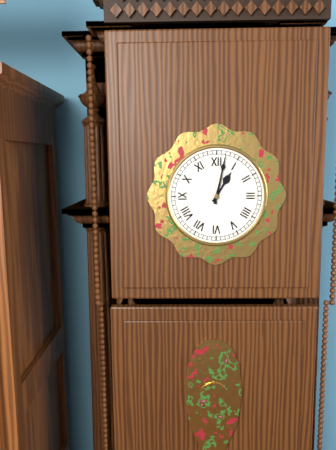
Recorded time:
1 h 02 min
